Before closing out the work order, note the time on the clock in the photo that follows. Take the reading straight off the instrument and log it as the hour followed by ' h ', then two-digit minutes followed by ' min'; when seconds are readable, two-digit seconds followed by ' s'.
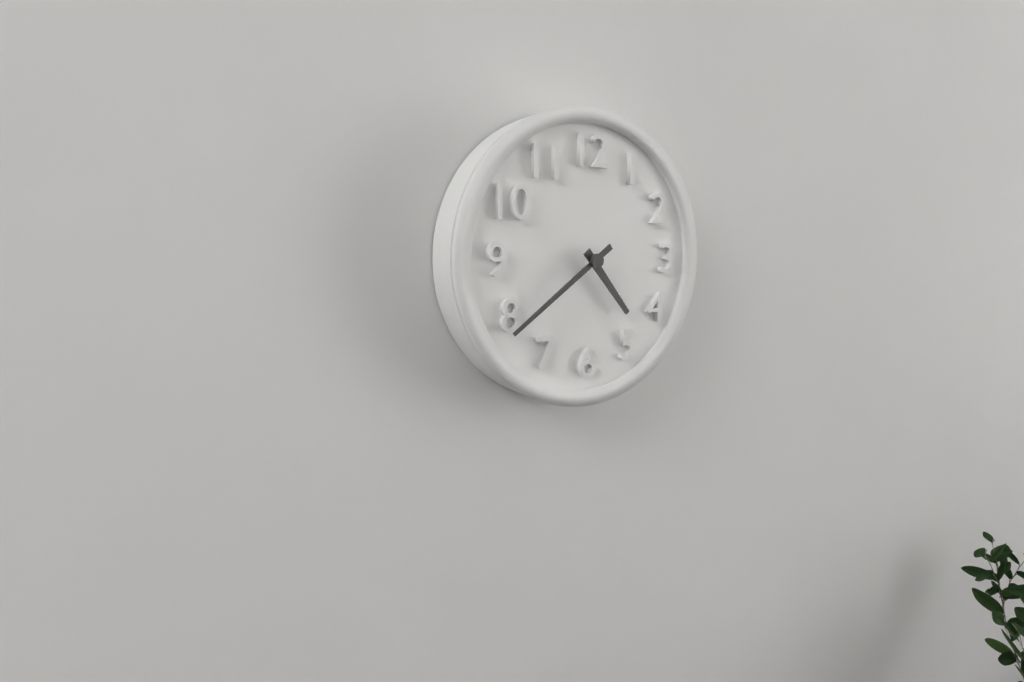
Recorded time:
4 h 39 min
